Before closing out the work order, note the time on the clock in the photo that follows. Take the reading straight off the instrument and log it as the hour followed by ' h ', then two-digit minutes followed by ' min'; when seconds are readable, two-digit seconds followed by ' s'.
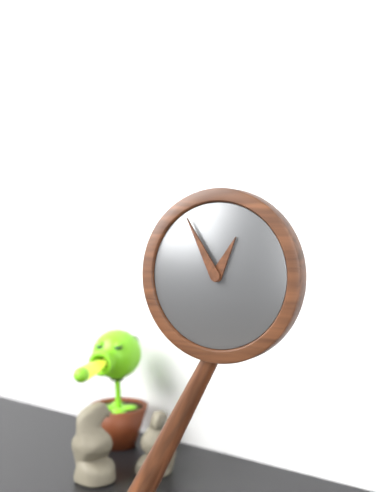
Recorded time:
12 h 55 min
